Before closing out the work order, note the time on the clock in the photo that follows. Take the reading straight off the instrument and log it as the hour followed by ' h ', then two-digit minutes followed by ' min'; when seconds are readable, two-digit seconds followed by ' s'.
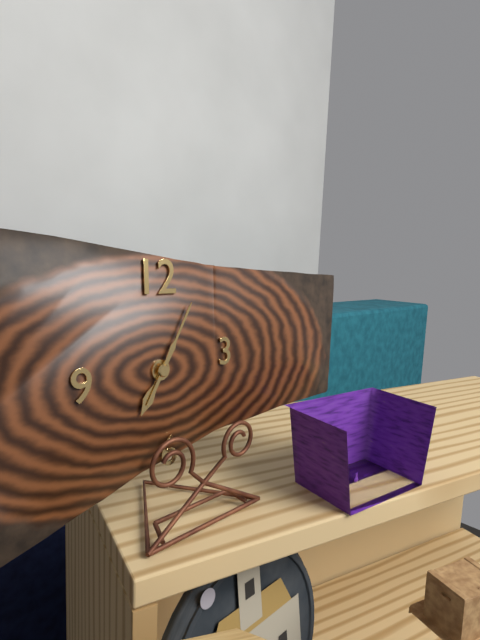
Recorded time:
7 h 05 min
